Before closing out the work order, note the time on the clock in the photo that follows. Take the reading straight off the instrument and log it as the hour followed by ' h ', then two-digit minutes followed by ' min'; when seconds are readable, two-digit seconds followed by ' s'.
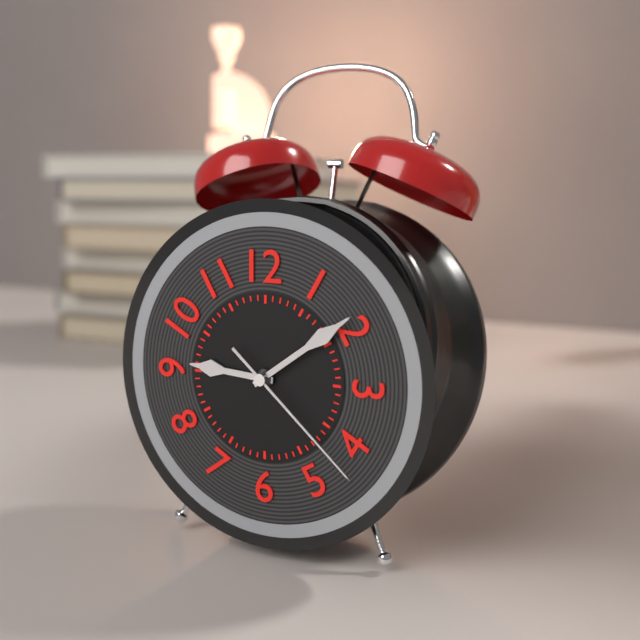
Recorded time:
9 h 09 min 22 s
